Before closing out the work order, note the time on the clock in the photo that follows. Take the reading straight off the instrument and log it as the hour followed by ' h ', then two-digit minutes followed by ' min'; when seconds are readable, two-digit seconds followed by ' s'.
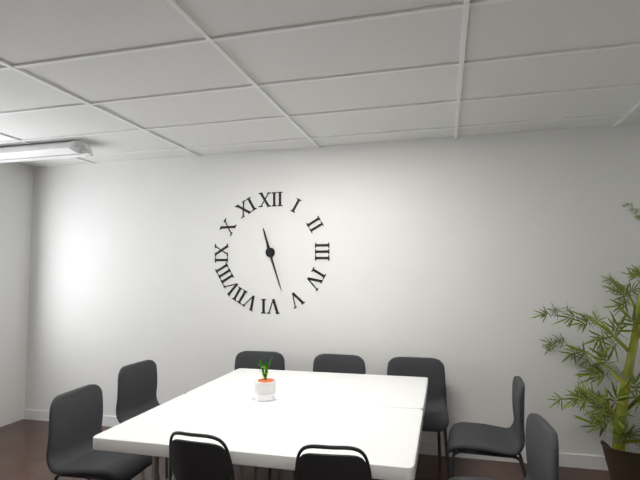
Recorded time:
11 h 27 min
